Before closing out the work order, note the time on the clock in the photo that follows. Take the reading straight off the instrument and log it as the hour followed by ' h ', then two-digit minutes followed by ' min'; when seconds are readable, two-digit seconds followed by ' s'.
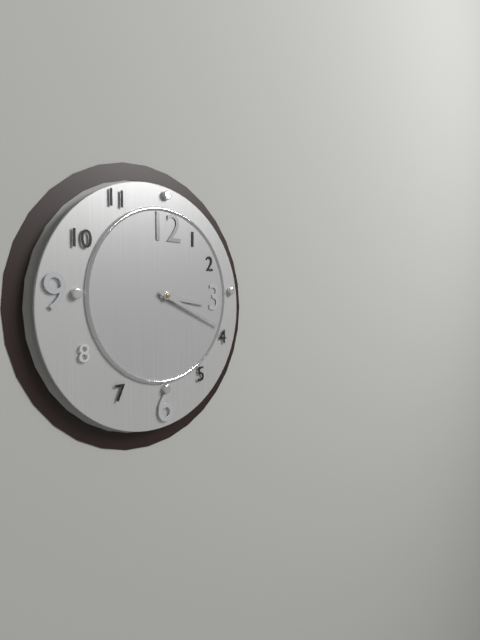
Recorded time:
3 h 19 min
